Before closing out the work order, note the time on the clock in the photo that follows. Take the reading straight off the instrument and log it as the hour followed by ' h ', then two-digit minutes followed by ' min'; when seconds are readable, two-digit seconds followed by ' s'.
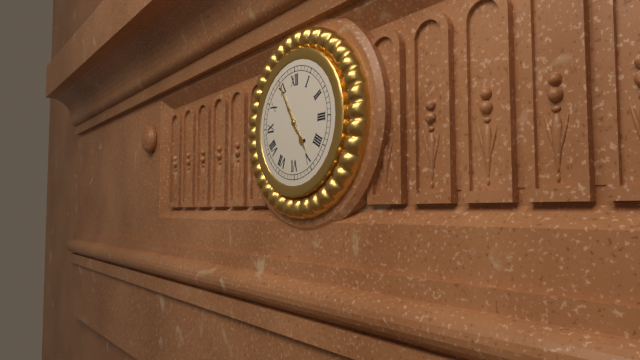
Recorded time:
4 h 55 min
